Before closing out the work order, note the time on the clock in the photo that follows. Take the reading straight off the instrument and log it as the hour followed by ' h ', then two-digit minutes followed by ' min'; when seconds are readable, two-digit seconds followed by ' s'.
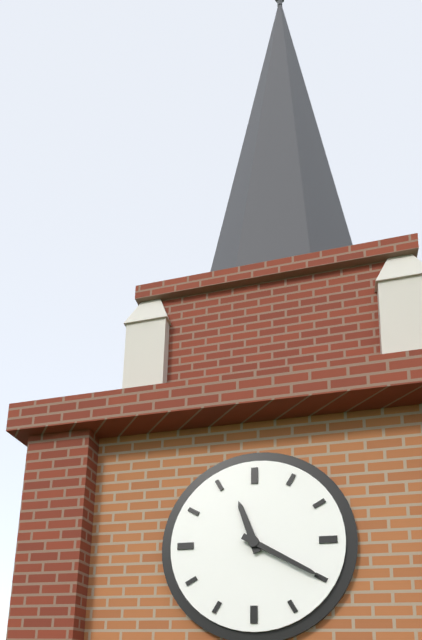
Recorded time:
11 h 20 min
